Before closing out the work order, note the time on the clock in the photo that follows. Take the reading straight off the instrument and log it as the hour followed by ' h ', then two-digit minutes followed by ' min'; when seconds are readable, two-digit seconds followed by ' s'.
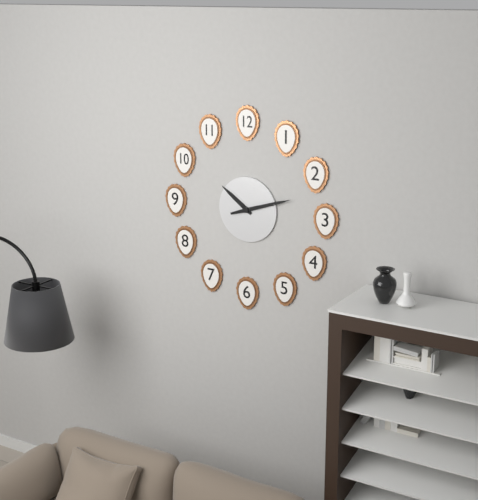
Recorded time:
10 h 12 min
